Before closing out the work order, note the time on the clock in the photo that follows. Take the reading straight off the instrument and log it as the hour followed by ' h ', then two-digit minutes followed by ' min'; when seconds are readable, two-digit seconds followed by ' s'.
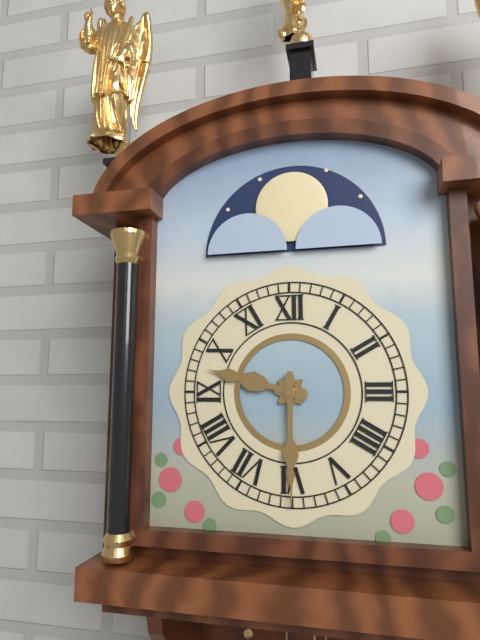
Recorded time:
9 h 30 min
